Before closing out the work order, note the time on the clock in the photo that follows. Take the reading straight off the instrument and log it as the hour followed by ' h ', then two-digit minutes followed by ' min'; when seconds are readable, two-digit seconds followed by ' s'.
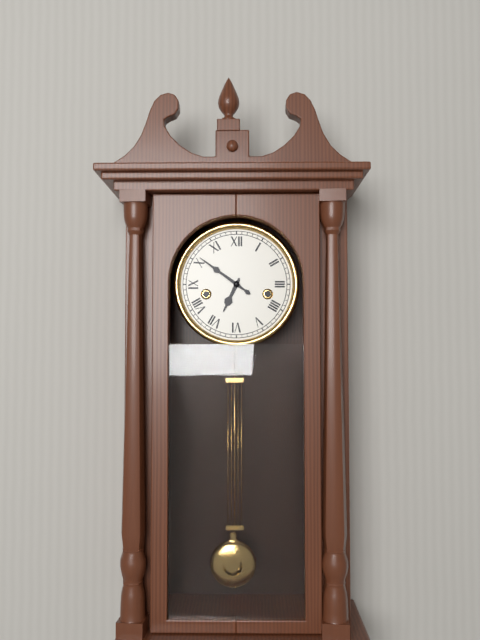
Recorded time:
6 h 51 min
